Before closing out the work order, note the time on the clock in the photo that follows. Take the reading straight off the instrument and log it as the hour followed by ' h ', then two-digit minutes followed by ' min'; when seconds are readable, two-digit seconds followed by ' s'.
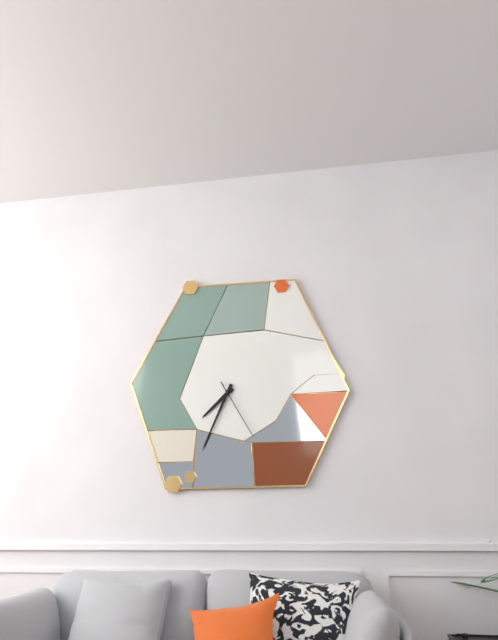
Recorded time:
7 h 34 min 25 s
